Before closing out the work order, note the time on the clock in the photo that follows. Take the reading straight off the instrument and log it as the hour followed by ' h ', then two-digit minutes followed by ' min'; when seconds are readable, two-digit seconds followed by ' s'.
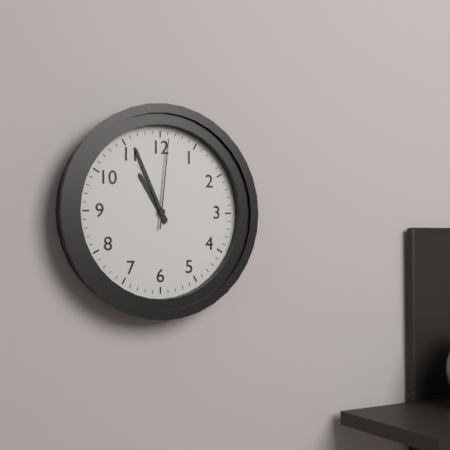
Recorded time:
10 h 56 min 01 s
